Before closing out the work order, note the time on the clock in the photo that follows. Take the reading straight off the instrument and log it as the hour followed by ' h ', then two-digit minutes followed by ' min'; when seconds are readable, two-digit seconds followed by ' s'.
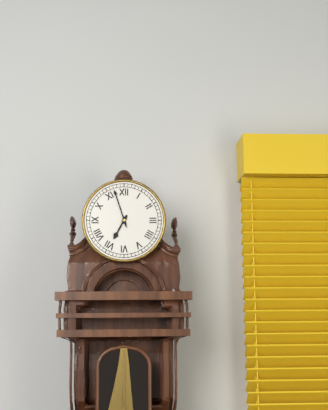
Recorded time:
6 h 57 min
